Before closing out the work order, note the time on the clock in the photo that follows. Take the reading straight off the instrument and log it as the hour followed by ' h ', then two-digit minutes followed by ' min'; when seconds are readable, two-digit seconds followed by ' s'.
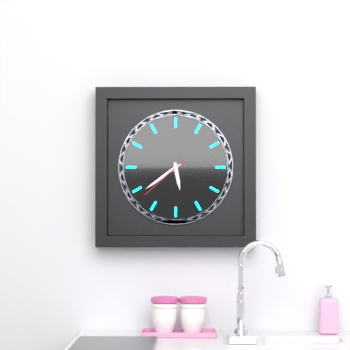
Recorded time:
5 h 39 min 38 s
